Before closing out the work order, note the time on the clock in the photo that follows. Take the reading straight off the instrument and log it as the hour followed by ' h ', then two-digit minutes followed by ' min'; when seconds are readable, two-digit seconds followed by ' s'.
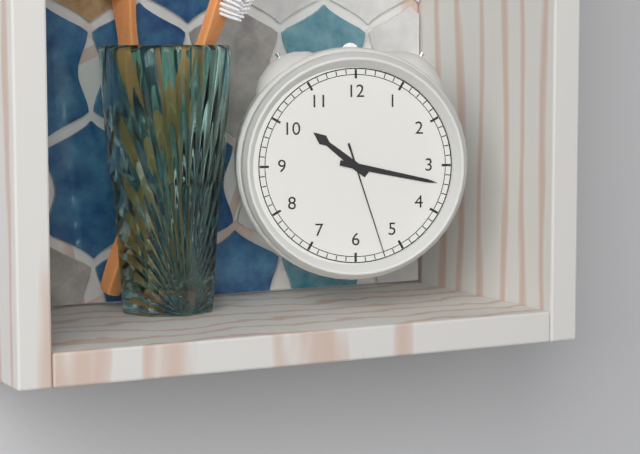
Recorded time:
10 h 17 min 27 s
